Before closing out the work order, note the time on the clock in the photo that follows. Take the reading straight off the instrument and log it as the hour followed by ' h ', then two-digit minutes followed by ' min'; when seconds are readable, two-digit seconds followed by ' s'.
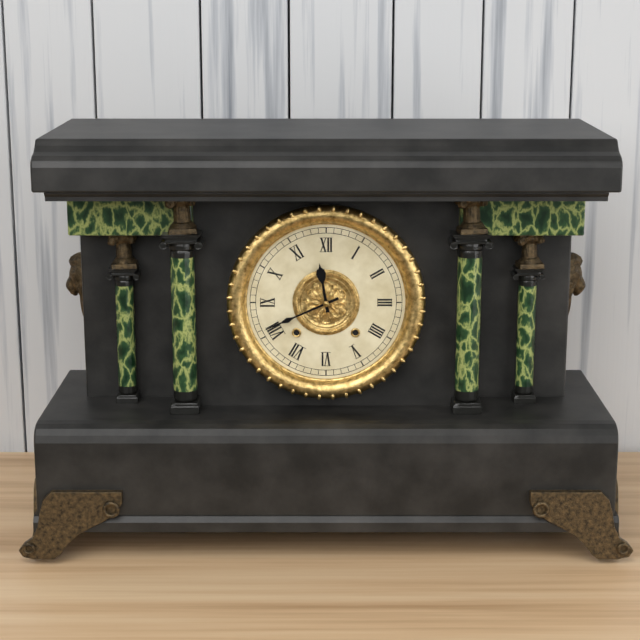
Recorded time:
11 h 41 min
